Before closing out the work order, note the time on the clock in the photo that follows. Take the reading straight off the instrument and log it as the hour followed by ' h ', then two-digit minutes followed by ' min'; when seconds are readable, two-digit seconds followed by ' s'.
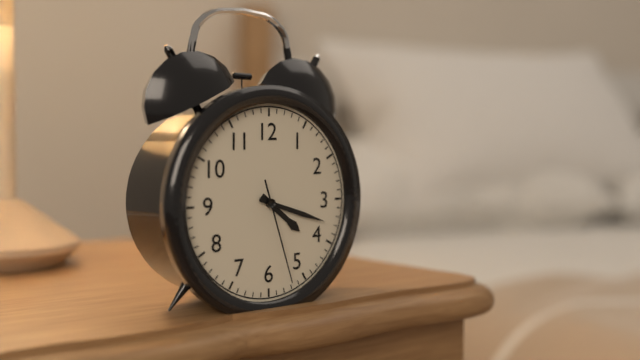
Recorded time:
4 h 18 min 27 s
